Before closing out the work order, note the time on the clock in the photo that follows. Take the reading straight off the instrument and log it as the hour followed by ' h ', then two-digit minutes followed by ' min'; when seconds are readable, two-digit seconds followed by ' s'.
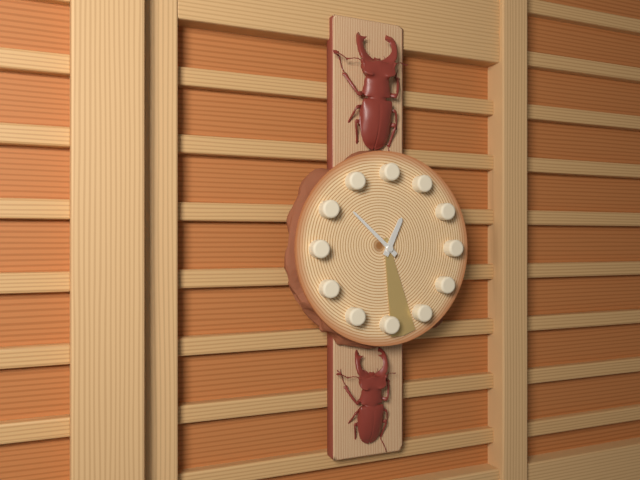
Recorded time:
12 h 52 min 28 s
